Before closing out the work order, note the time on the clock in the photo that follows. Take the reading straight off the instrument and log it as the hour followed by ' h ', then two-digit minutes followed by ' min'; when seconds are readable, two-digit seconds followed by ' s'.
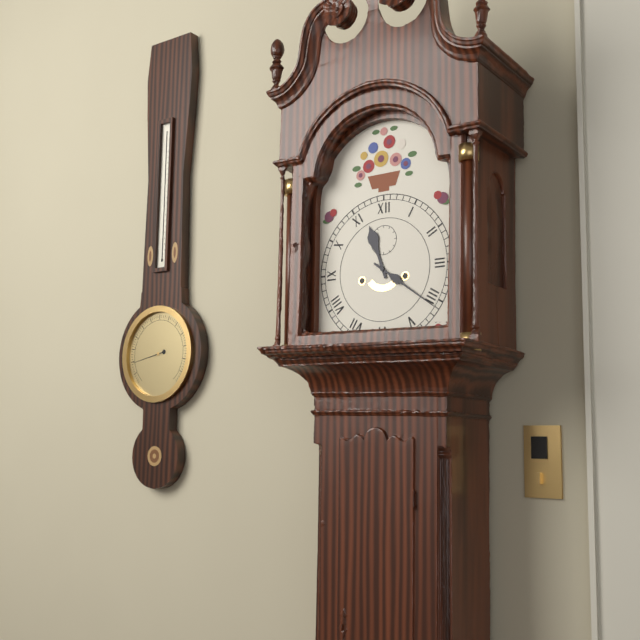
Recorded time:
11 h 21 min
